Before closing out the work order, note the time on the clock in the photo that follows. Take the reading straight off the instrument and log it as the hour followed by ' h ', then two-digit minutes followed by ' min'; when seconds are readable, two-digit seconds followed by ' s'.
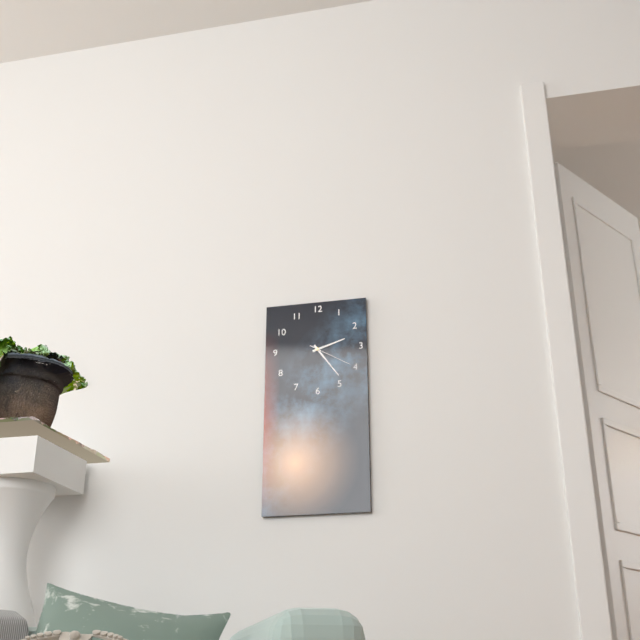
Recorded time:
2 h 24 min
